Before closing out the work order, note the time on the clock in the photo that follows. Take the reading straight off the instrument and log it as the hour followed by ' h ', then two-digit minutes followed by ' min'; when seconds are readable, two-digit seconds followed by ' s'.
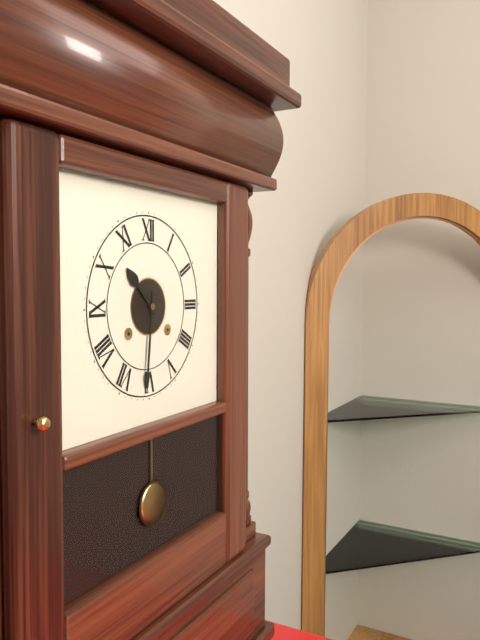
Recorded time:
10 h 31 min
